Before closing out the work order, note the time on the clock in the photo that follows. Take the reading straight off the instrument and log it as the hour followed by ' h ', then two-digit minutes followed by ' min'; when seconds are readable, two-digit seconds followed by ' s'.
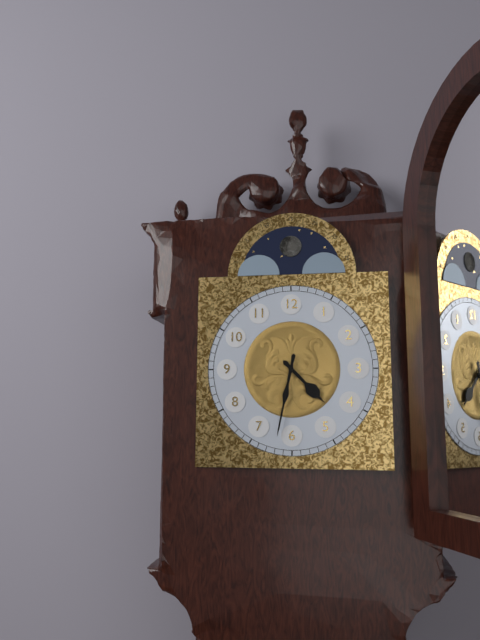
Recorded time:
4 h 32 min
